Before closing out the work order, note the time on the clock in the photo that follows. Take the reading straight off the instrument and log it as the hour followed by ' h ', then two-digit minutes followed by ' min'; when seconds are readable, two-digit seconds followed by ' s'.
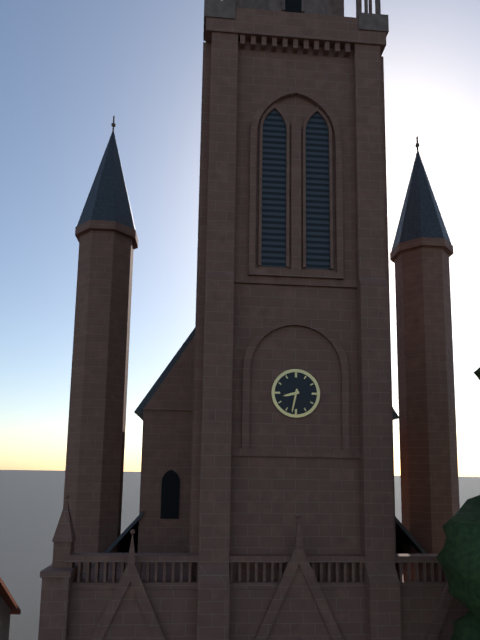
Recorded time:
8 h 32 min
